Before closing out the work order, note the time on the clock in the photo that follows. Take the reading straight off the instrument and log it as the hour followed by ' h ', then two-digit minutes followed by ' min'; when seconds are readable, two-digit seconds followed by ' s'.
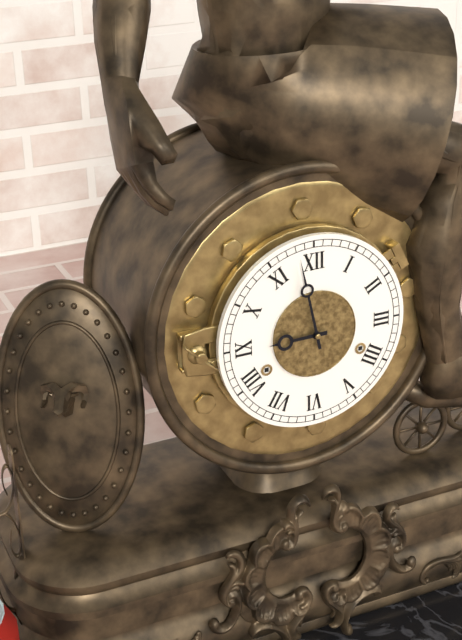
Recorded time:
8 h 58 min
